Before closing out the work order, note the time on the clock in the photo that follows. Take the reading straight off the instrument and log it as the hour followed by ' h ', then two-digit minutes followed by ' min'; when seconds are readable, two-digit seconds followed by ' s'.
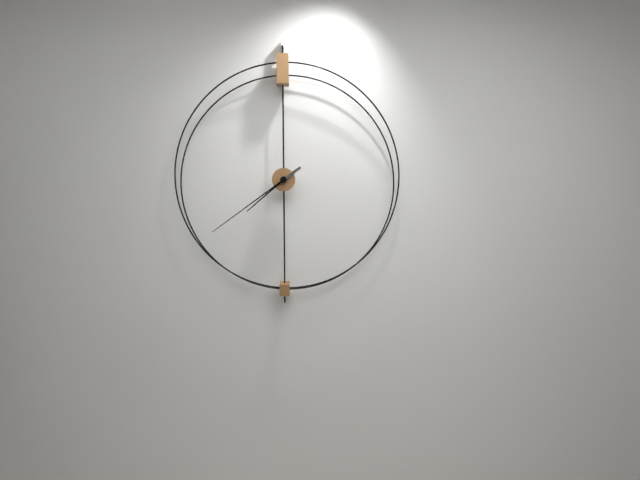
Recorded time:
7 h 39 min
